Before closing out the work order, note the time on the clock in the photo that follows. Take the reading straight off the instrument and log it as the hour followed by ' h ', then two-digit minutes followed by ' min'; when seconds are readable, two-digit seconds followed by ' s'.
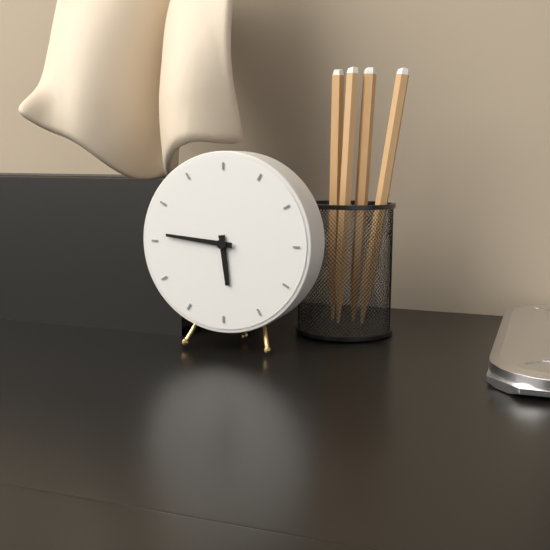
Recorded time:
5 h 46 min
